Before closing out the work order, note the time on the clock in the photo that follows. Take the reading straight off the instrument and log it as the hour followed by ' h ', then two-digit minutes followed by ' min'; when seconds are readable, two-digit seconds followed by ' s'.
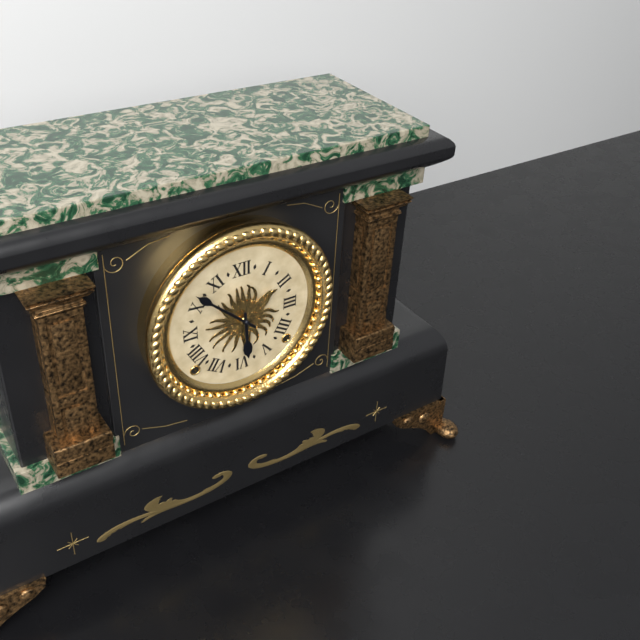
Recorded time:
5 h 52 min
